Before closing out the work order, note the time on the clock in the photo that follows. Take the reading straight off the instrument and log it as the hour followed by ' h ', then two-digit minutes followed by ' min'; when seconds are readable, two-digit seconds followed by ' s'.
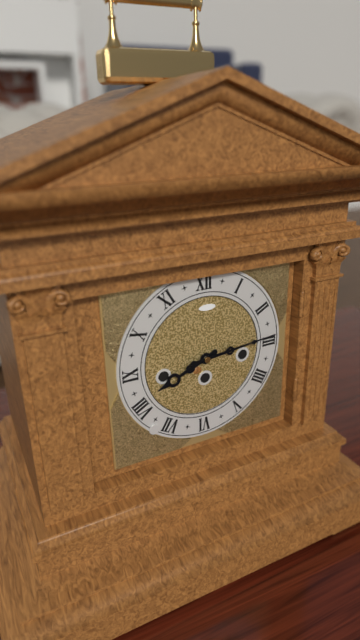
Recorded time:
8 h 14 min
